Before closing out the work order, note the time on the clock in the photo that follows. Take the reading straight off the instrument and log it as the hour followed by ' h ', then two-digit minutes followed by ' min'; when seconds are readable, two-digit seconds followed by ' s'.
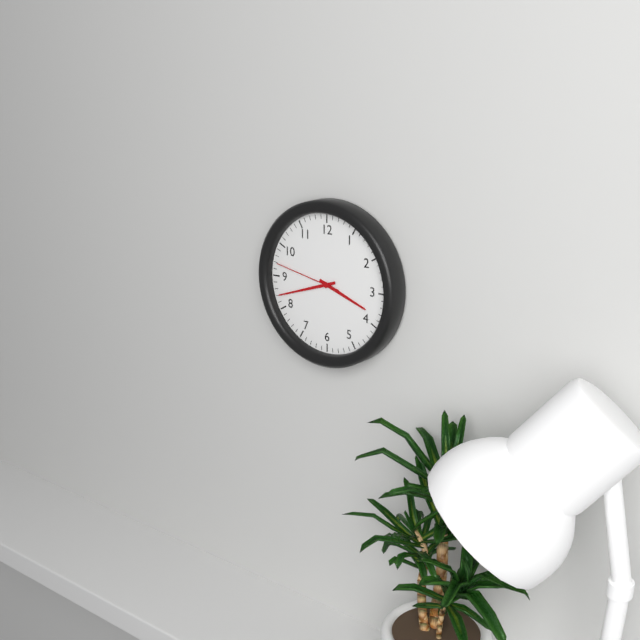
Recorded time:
3 h 42 min 47 s
